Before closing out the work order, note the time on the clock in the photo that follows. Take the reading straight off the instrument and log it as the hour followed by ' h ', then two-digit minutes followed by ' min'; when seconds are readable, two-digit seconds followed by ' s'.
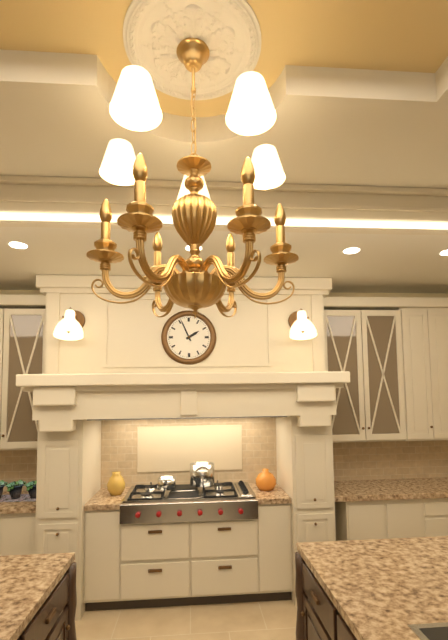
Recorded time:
1 h 56 min
